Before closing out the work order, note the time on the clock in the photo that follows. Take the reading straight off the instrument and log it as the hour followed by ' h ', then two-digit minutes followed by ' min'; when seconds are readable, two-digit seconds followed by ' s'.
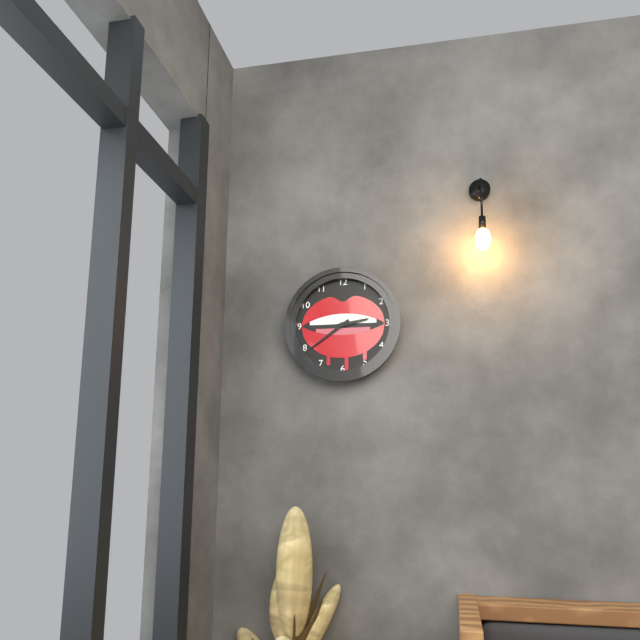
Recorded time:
2 h 39 min
